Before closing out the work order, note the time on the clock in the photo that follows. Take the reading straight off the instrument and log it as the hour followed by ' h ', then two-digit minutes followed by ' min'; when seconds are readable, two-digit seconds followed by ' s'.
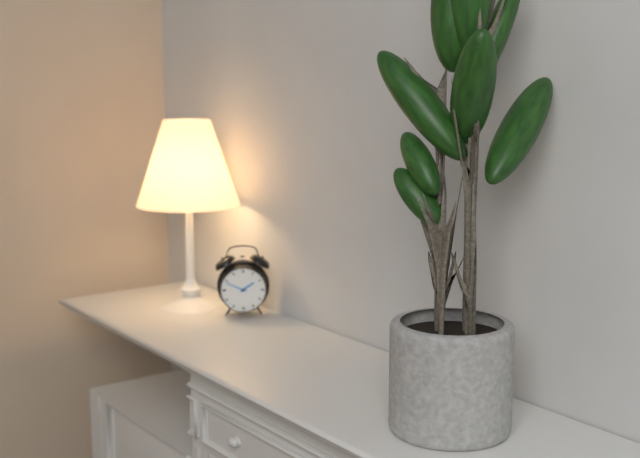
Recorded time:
1 h 49 min
